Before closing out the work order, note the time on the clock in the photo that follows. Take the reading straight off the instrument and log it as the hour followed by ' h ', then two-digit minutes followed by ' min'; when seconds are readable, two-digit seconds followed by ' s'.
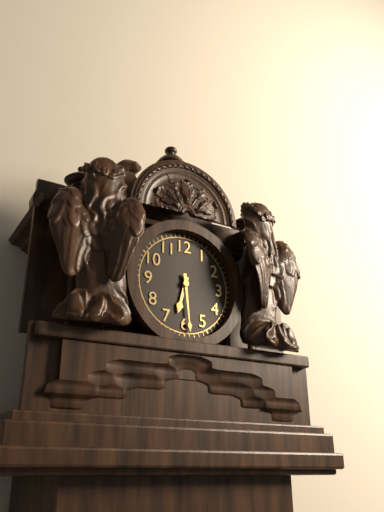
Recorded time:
6 h 29 min
